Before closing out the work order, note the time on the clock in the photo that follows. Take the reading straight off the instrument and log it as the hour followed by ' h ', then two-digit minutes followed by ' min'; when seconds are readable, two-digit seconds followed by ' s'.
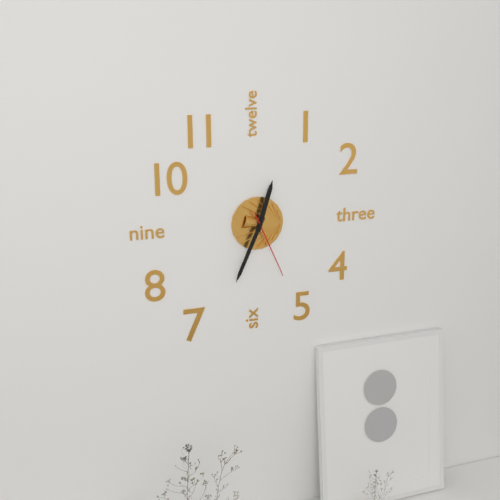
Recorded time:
12 h 34 min 26 s
